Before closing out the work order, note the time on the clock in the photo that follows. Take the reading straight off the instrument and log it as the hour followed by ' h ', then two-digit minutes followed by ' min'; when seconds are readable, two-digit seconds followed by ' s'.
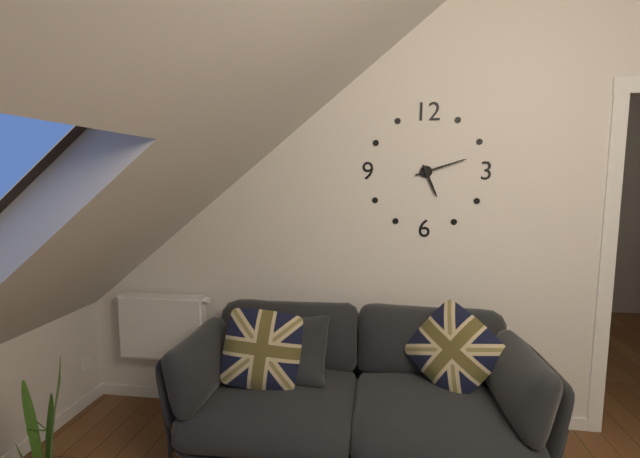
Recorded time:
5 h 12 min
